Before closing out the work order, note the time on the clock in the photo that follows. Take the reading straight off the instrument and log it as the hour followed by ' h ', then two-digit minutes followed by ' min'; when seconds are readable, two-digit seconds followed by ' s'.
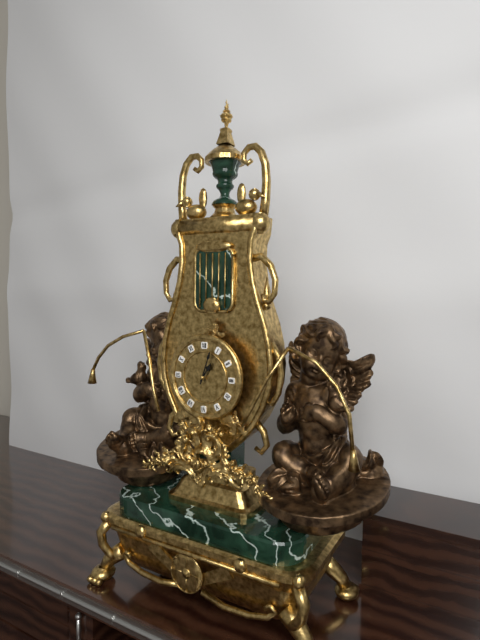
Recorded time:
1 h 03 min
